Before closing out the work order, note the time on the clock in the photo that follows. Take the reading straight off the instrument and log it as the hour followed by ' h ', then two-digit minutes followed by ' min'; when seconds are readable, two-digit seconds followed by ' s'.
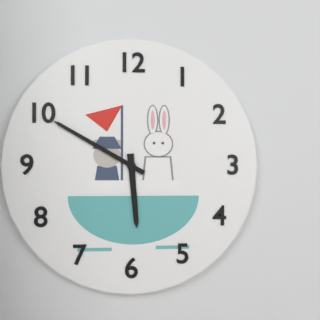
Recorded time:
5 h 50 min
